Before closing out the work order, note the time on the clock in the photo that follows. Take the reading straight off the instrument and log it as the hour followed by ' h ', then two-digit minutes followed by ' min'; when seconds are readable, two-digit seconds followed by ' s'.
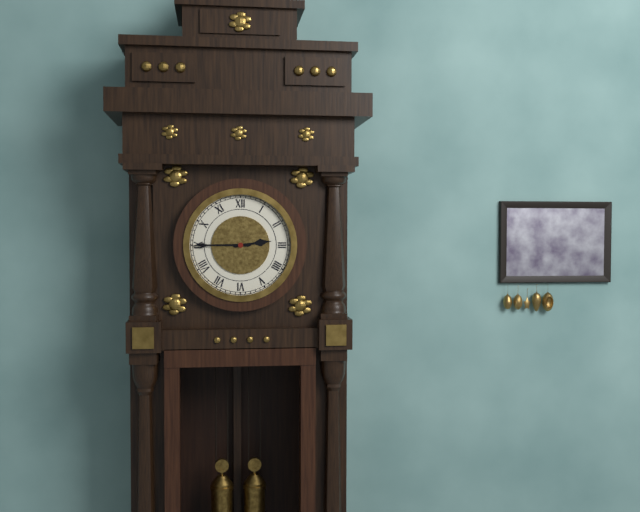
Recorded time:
2 h 45 min
